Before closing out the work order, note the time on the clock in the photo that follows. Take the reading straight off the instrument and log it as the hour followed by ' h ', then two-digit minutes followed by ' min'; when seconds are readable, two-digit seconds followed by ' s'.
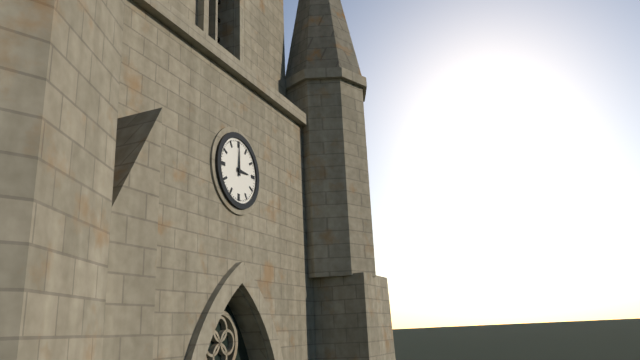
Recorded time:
3 h 00 min
